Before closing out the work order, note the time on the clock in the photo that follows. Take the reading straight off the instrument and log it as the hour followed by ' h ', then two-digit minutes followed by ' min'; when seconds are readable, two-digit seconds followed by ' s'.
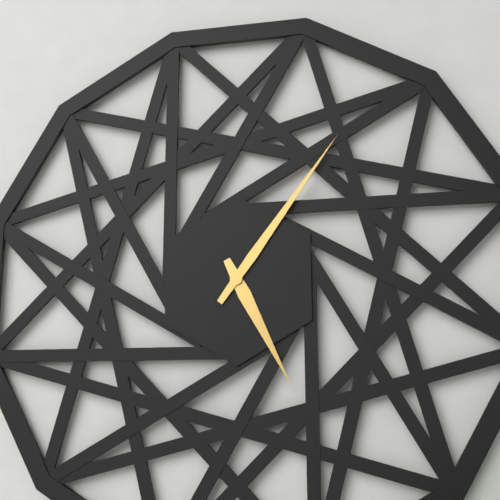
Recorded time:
5 h 06 min
